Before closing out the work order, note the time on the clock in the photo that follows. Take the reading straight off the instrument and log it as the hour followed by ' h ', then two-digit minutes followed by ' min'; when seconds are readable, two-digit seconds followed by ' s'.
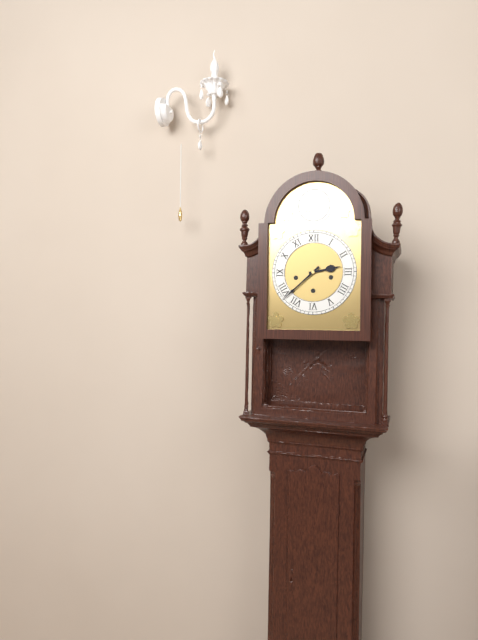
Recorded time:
2 h 38 min
